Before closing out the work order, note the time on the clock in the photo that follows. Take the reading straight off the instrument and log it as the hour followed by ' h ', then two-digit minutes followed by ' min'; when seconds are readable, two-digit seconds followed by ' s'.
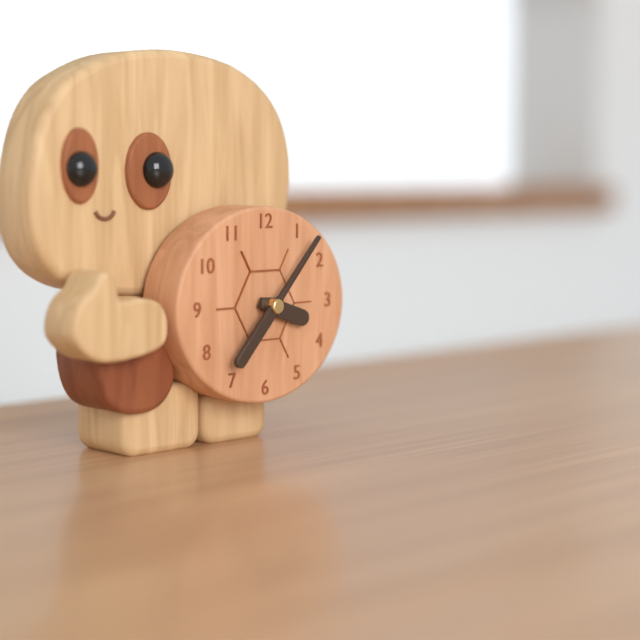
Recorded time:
3 h 37 min
